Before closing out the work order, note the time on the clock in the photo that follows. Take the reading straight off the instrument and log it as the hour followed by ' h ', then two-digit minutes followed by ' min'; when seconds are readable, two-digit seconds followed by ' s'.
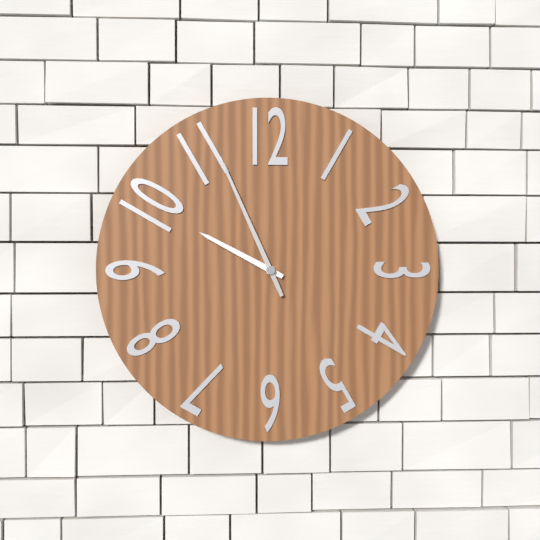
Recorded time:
9 h 56 min
